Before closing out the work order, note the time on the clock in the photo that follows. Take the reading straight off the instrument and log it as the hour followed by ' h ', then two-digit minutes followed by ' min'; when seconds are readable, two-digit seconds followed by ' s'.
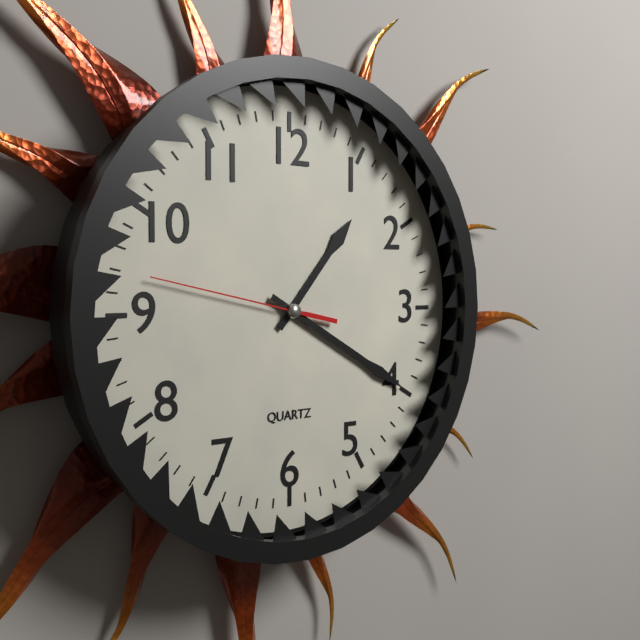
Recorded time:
1 h 20 min 47 s
